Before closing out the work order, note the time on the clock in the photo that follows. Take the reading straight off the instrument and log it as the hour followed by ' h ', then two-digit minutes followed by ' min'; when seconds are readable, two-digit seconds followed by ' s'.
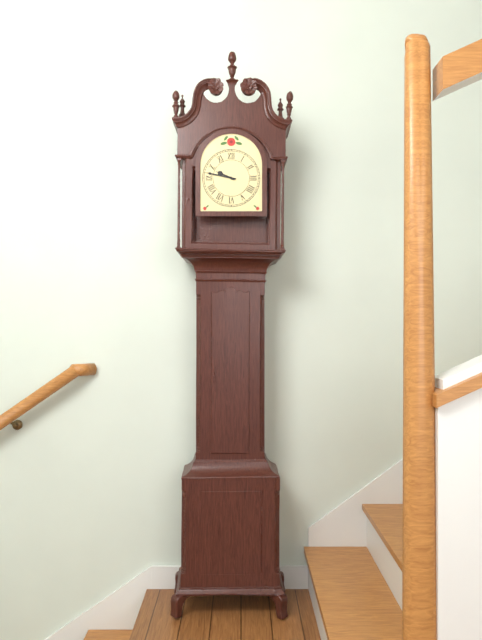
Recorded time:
9 h 47 min
